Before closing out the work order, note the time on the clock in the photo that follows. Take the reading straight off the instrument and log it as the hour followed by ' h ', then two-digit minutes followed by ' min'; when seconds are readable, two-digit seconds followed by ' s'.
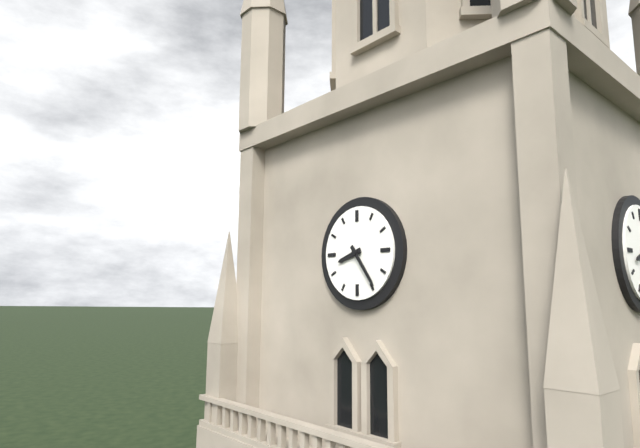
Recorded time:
8 h 24 min
